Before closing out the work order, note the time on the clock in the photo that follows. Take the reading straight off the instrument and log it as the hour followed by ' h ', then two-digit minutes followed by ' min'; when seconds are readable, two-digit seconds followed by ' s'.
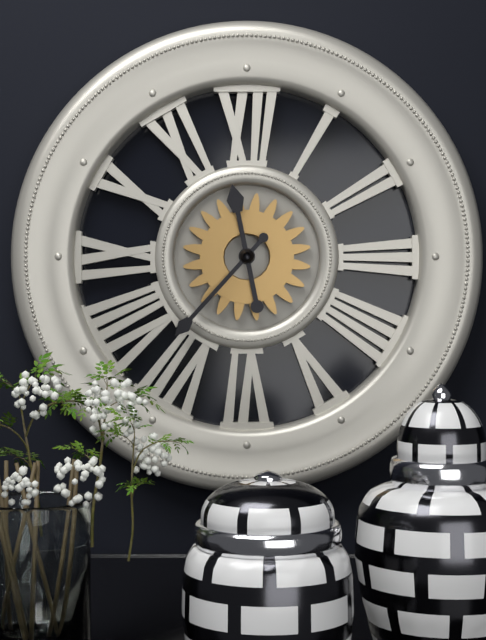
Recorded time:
11 h 37 min
